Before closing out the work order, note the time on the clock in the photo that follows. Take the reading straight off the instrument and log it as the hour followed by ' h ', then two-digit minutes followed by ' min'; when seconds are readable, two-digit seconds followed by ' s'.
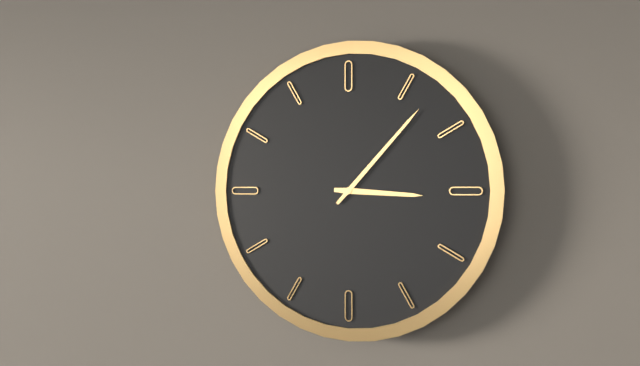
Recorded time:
3 h 07 min
